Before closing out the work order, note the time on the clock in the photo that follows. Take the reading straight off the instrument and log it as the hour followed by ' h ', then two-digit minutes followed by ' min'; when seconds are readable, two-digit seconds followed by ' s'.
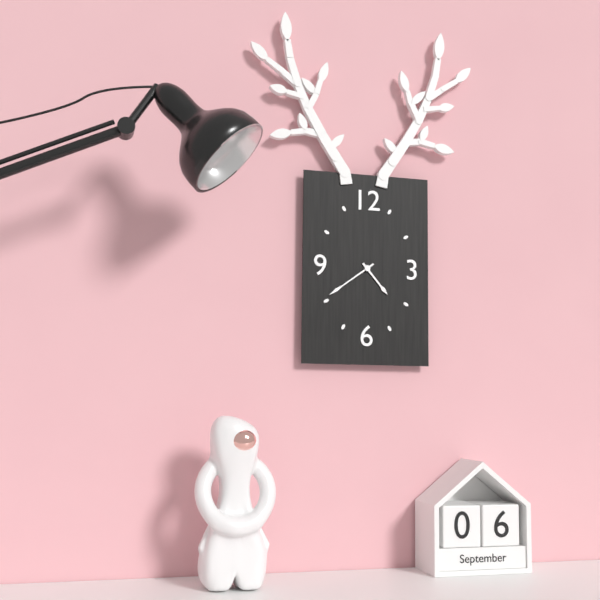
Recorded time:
4 h 39 min
